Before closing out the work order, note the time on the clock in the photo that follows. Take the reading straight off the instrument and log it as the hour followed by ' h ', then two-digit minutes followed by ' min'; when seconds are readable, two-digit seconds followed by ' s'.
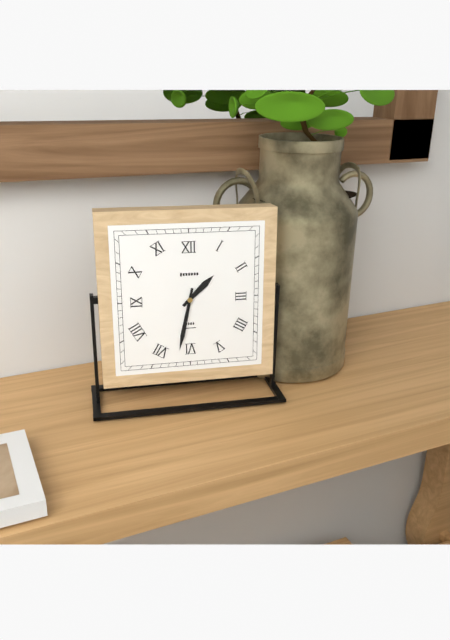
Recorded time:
1 h 32 min
